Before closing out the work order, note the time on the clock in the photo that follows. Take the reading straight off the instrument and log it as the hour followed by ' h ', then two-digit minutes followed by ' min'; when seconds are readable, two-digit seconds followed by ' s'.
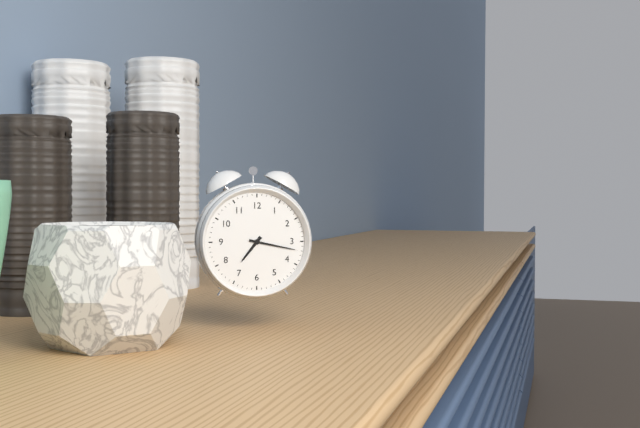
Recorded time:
7 h 17 min
